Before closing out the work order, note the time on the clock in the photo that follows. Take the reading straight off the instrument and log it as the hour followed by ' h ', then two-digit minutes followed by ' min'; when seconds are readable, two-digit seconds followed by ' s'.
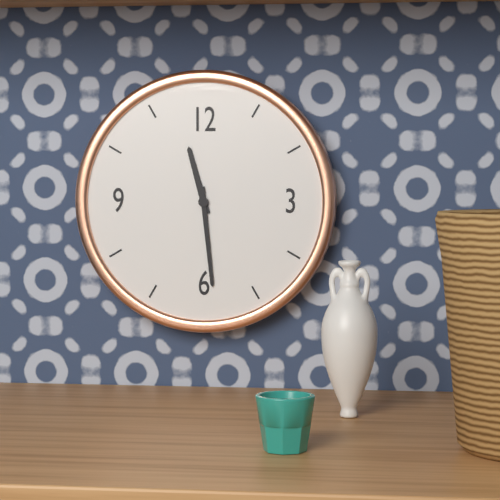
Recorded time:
11 h 29 min
